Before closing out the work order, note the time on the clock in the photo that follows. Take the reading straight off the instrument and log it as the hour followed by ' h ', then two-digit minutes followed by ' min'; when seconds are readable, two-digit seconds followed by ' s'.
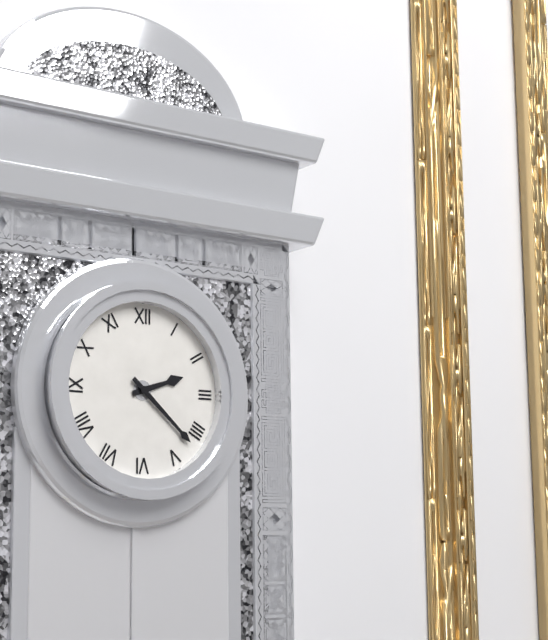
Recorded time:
2 h 22 min
